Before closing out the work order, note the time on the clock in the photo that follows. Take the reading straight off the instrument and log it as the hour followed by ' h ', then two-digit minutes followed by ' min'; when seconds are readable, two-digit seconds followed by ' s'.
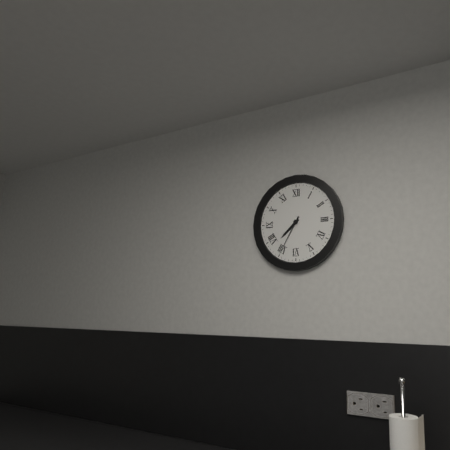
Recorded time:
7 h 35 min
